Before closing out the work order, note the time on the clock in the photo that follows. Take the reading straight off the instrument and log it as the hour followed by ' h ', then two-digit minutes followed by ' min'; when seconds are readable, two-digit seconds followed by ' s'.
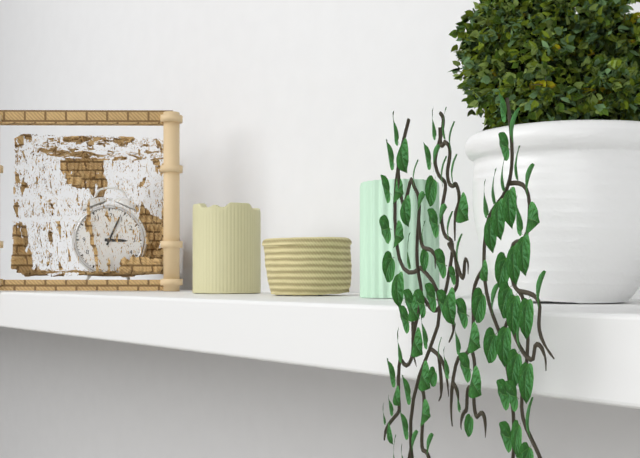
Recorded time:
3 h 04 min
